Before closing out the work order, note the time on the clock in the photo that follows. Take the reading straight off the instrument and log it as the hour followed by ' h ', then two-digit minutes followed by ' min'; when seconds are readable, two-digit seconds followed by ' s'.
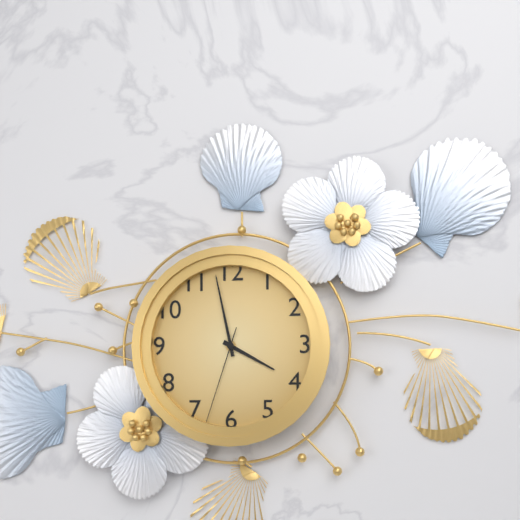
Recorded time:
3 h 58 min 33 s
